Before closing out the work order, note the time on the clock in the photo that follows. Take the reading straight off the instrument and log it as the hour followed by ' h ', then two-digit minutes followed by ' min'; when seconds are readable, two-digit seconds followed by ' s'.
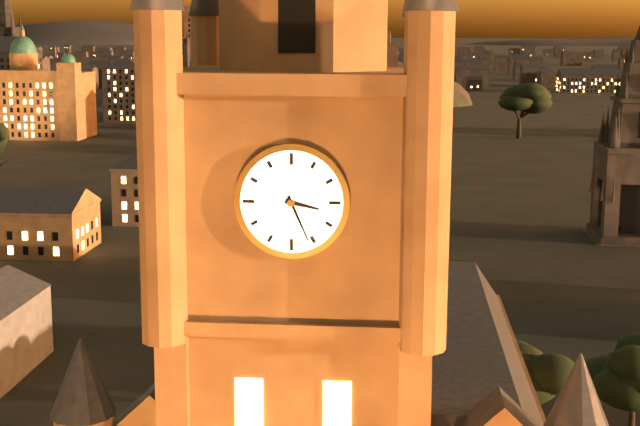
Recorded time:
3 h 26 min
